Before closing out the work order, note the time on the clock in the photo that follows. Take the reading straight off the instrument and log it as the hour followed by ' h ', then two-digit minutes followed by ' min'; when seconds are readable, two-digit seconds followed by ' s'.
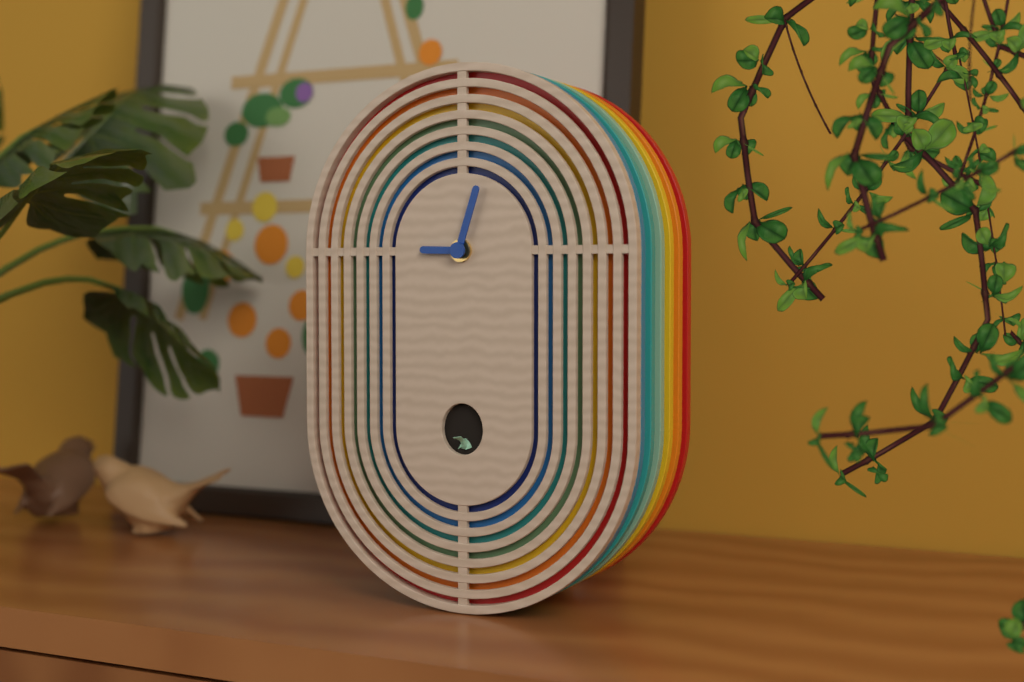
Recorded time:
9 h 03 min
